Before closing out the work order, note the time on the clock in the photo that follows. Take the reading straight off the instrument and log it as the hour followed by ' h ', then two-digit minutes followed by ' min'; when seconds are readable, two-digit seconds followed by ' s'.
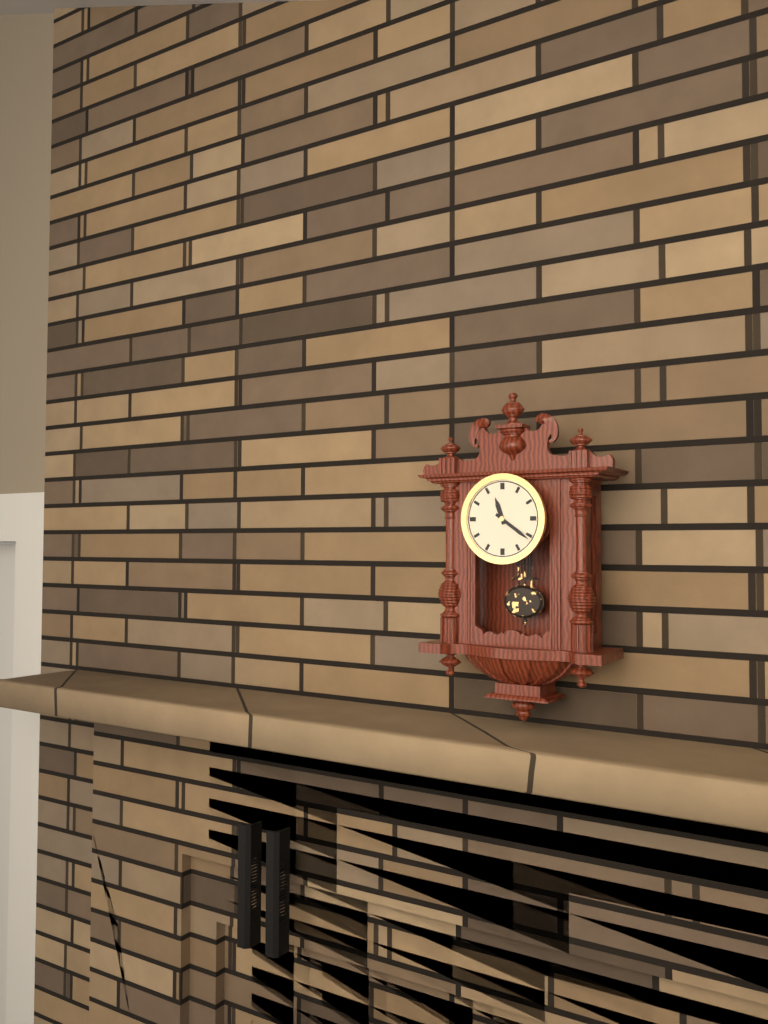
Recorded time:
11 h 21 min
